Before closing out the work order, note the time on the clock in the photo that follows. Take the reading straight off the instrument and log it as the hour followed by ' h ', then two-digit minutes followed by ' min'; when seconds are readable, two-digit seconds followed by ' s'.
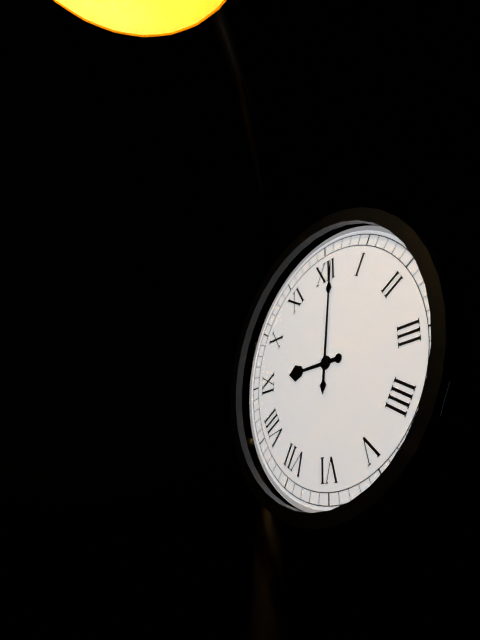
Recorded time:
9 h 01 min
